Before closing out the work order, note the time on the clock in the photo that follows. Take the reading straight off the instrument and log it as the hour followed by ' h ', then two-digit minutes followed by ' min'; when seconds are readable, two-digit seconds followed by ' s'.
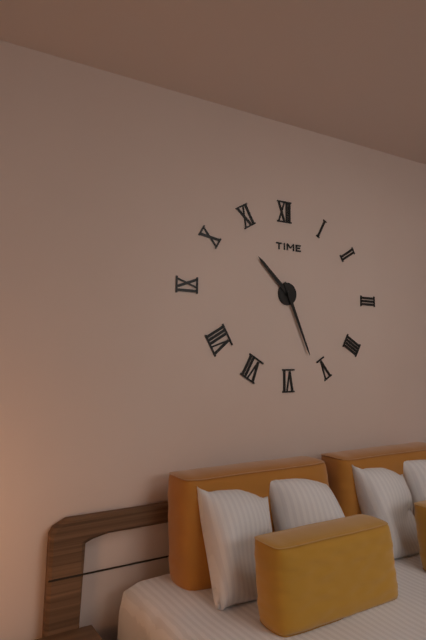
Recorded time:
10 h 26 min
